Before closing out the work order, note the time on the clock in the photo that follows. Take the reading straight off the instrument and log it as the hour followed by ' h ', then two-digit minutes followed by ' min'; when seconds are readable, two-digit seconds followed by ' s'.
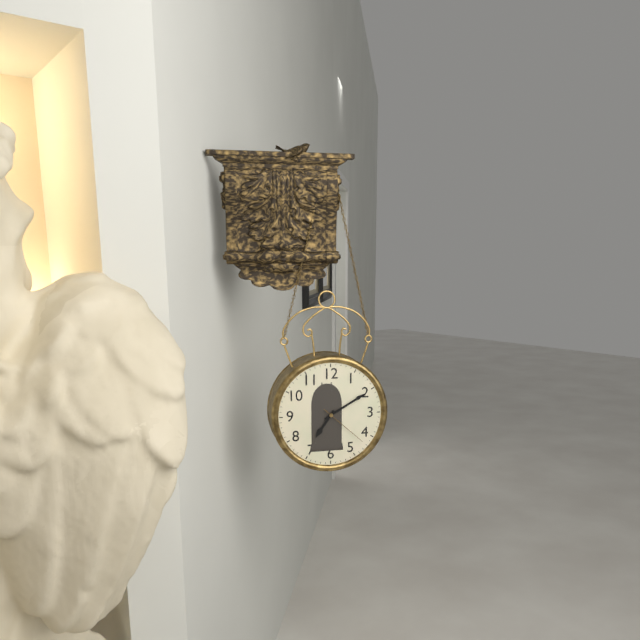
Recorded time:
7 h 10 min 22 s
